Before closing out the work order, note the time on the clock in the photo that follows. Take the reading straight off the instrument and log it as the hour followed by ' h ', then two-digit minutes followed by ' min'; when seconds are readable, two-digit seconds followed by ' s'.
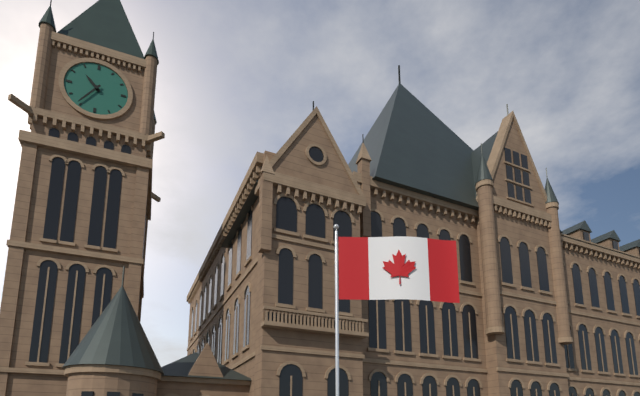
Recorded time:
10 h 36 min
